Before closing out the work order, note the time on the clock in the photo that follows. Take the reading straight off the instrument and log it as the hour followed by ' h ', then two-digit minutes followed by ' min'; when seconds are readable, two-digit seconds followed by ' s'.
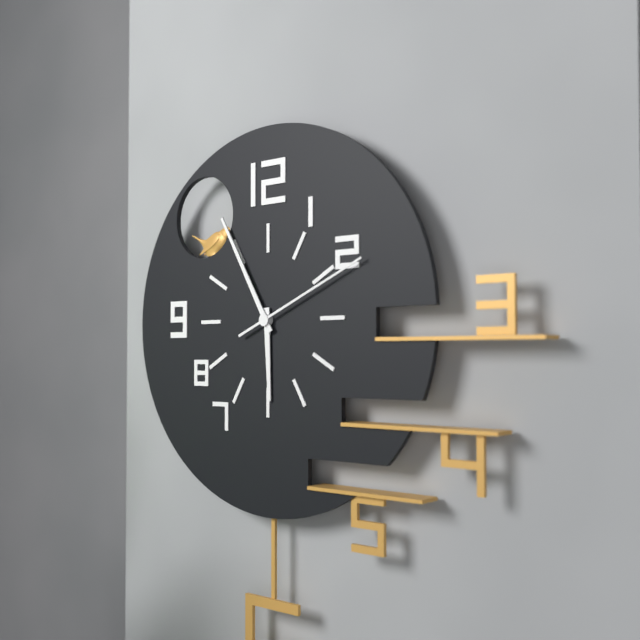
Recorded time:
5 h 55 min 11 s
